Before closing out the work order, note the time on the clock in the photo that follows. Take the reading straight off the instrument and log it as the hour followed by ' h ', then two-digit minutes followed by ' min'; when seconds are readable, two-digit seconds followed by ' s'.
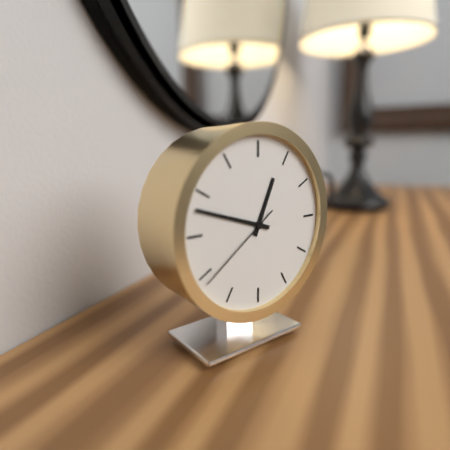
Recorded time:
12 h 48 min 39 s
